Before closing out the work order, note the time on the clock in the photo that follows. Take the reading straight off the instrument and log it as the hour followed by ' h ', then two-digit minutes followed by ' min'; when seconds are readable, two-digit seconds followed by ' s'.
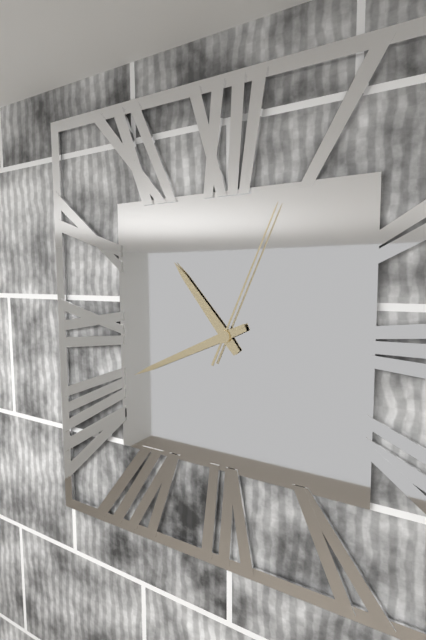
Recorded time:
10 h 41 min 04 s
